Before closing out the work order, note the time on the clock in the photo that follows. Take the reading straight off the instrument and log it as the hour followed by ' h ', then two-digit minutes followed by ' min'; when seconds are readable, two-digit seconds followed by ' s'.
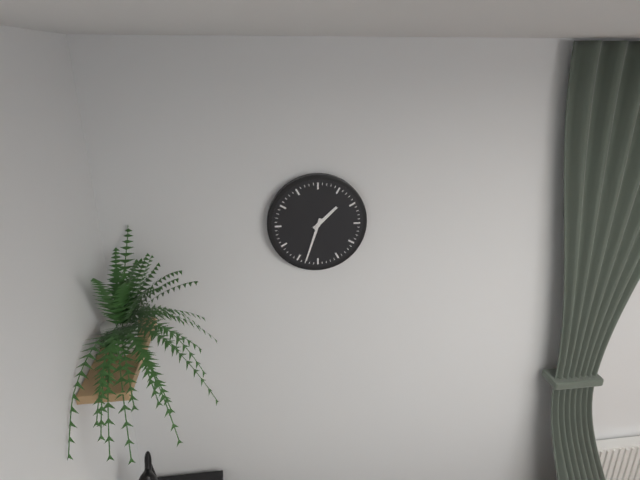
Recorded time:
1 h 33 min
